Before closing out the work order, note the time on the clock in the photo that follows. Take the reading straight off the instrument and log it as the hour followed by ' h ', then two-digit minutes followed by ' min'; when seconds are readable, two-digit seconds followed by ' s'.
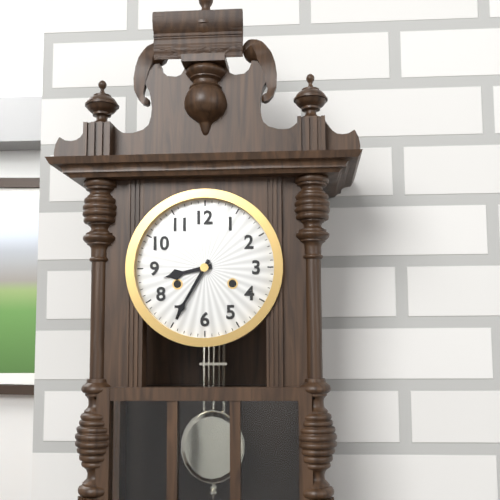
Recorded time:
8 h 35 min
